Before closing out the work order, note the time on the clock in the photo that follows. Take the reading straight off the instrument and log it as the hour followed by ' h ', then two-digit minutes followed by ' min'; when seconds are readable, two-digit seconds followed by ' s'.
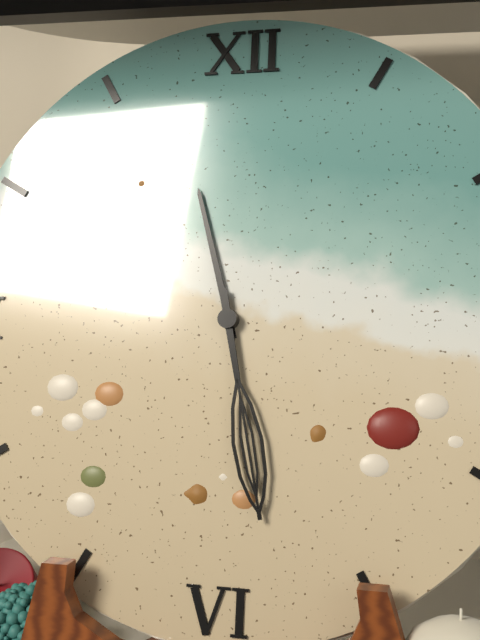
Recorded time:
11 h 28 min
